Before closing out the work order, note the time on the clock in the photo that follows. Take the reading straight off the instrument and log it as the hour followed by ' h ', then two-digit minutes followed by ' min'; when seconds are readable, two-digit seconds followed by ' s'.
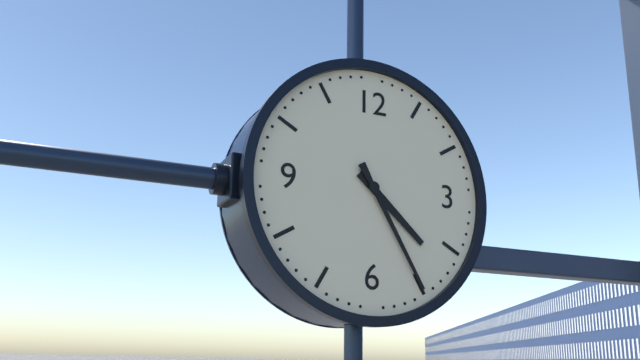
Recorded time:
4 h 25 min
